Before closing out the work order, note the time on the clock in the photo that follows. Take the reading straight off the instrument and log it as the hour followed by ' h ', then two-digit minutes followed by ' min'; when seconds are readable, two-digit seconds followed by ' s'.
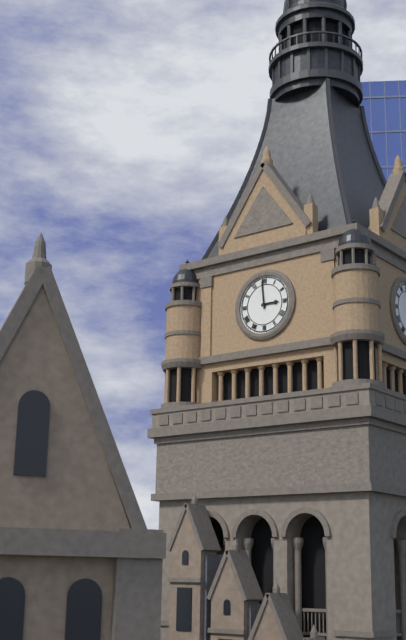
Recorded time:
2 h 59 min
